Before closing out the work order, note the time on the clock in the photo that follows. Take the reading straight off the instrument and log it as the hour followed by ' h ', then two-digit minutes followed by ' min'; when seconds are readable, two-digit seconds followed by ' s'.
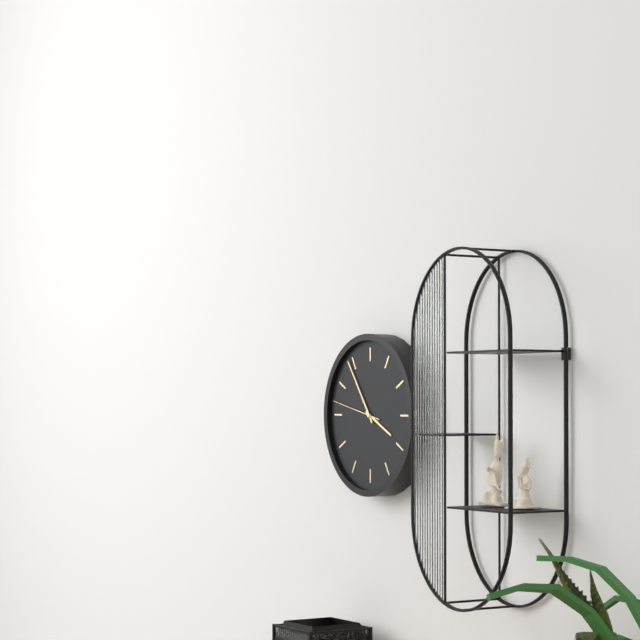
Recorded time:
3 h 54 min
